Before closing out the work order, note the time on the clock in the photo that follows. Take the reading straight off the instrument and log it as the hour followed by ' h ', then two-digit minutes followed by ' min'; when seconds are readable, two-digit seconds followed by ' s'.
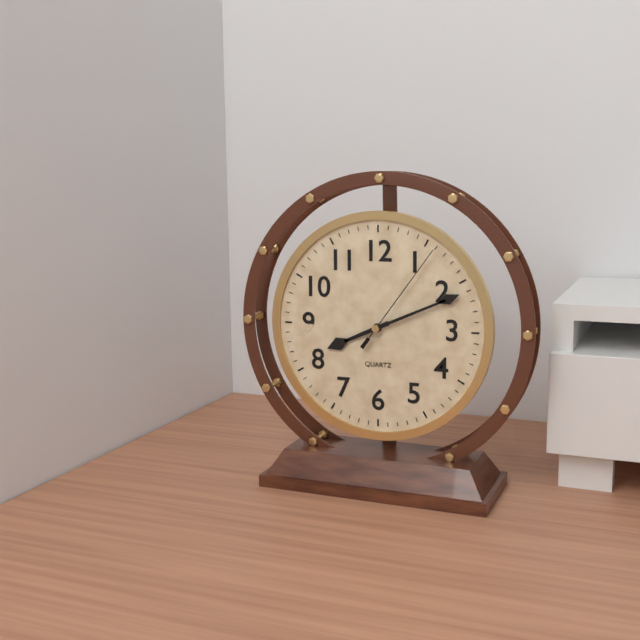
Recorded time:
8 h 11 min 06 s
